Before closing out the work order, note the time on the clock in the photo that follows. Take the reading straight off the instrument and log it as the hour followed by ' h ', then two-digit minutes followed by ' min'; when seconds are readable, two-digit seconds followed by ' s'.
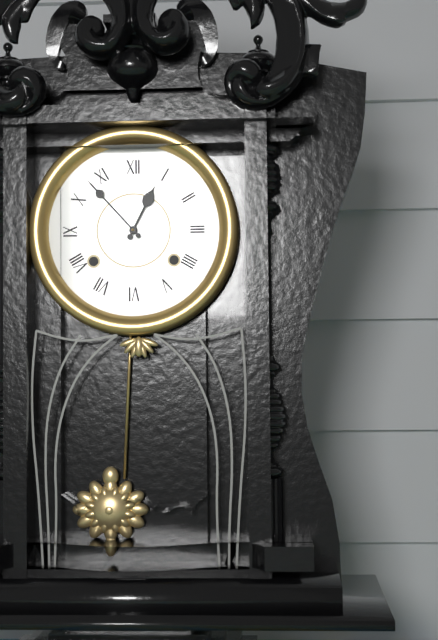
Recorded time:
12 h 53 min
